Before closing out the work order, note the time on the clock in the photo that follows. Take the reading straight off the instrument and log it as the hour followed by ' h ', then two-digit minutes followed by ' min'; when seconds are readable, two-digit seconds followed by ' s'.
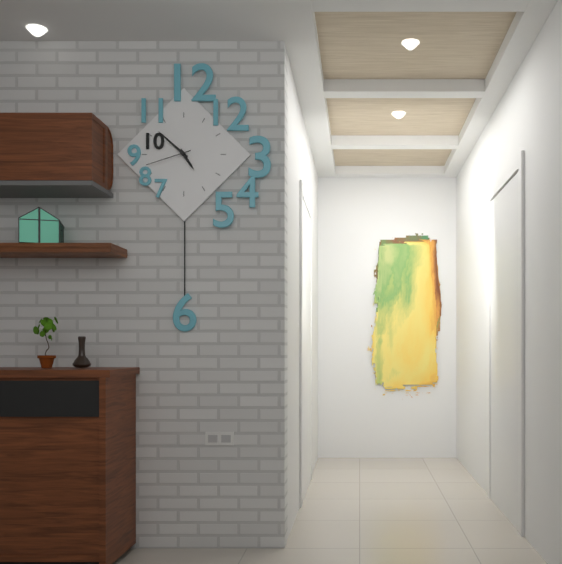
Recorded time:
4 h 52 min
